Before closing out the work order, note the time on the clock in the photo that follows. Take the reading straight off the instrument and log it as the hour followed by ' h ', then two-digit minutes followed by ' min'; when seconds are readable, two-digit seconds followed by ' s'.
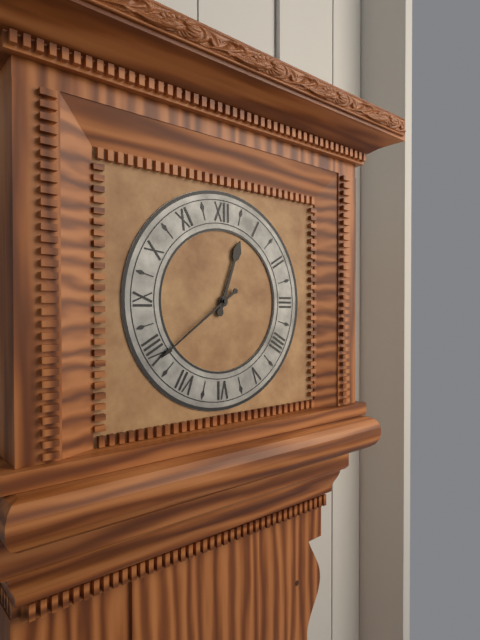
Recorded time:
12 h 39 min
